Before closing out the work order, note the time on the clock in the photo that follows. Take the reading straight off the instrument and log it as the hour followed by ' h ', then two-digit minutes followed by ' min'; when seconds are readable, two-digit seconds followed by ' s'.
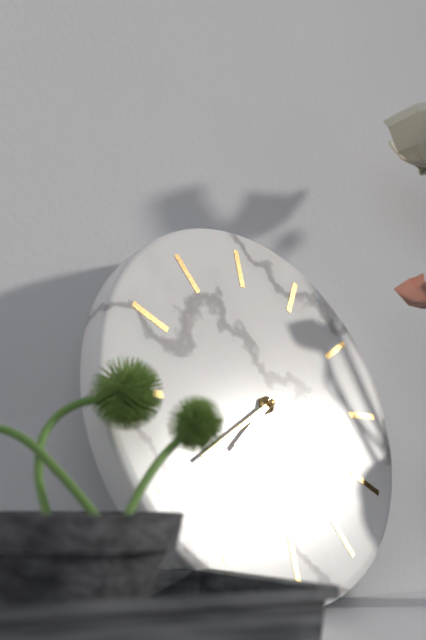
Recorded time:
7 h 40 min
